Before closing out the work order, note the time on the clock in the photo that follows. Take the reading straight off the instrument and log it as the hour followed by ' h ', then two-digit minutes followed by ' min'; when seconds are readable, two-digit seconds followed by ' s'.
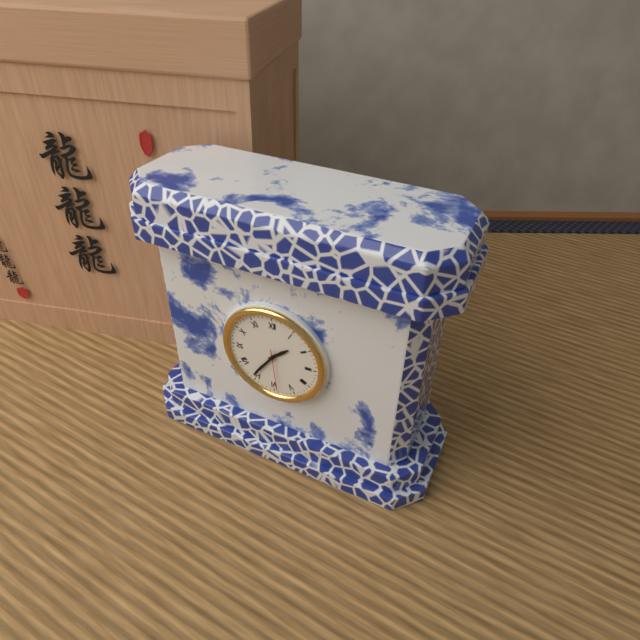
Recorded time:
1 h 36 min 29 s
